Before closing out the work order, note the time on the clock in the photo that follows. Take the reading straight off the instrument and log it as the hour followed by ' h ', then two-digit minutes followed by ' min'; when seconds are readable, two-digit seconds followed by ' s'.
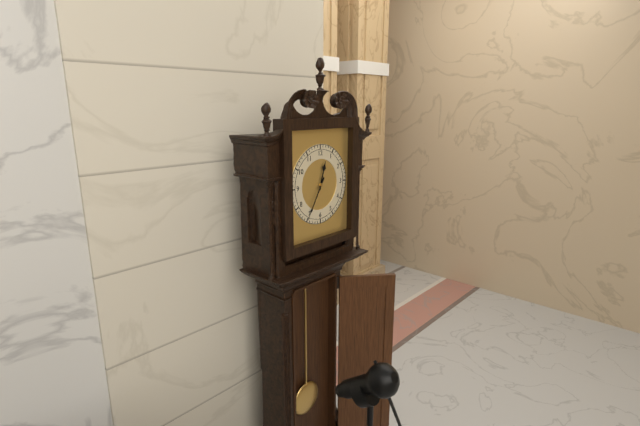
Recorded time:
12 h 35 min
